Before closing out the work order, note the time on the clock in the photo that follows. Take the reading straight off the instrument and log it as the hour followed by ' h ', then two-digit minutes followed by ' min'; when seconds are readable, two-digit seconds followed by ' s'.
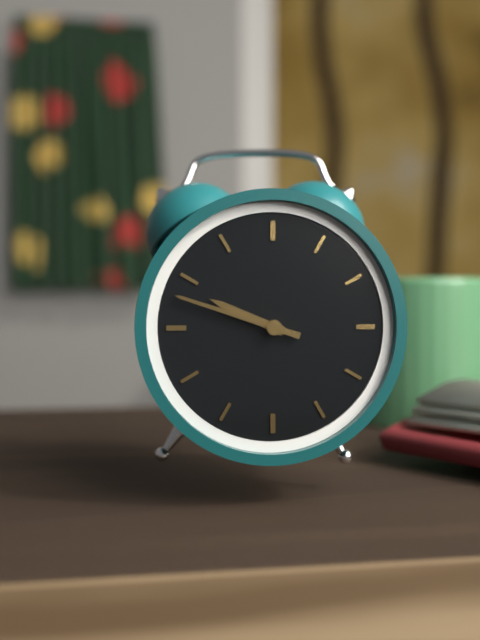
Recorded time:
9 h 48 min
